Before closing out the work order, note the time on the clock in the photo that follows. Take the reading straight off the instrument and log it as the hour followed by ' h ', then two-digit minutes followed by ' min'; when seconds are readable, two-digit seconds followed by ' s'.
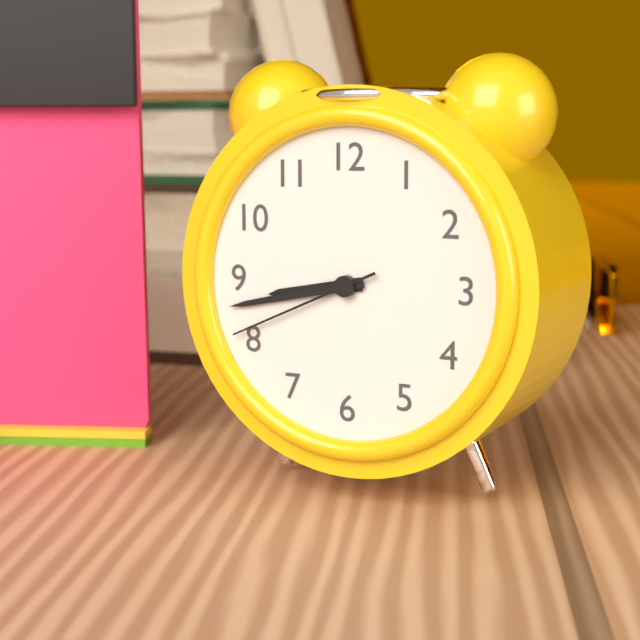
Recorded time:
8 h 43 min 41 s
